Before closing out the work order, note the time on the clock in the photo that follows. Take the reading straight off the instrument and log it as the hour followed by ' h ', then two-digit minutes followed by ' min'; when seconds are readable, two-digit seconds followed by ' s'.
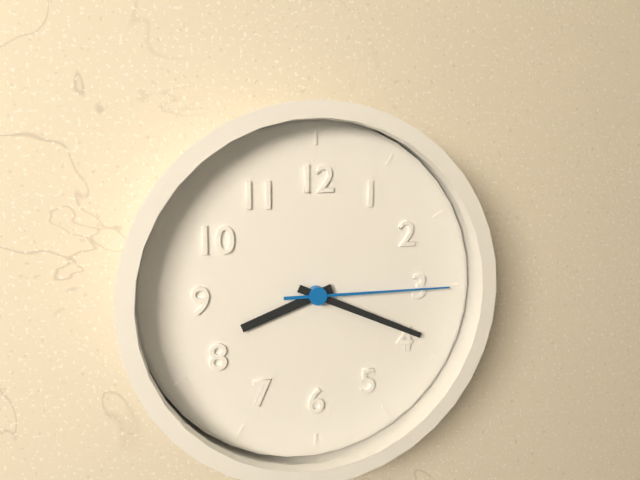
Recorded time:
8 h 19 min 15 s
